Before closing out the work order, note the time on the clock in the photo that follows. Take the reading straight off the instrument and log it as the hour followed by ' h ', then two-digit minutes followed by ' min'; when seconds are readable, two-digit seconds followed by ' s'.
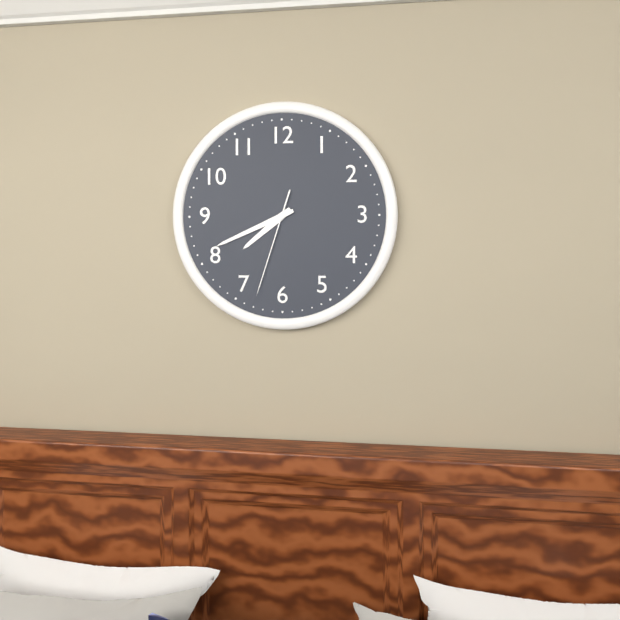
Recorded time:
7 h 41 min 33 s
